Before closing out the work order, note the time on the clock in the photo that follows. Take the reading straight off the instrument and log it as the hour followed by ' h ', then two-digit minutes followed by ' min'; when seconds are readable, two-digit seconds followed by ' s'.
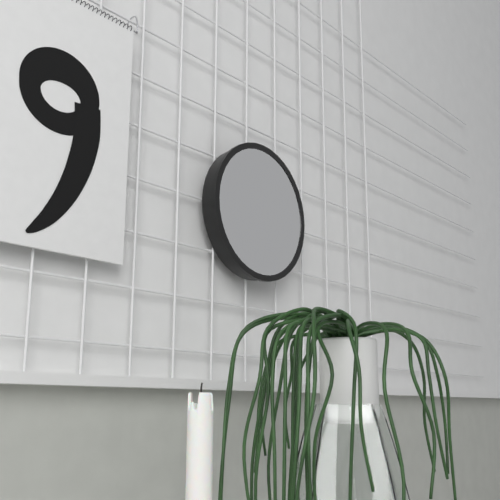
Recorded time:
3 h 31 min
